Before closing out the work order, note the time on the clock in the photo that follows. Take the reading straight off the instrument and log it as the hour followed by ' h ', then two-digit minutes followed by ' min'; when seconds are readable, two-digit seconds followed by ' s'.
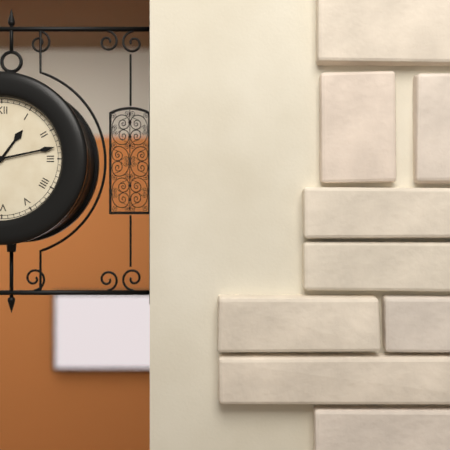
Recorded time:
1 h 13 min
